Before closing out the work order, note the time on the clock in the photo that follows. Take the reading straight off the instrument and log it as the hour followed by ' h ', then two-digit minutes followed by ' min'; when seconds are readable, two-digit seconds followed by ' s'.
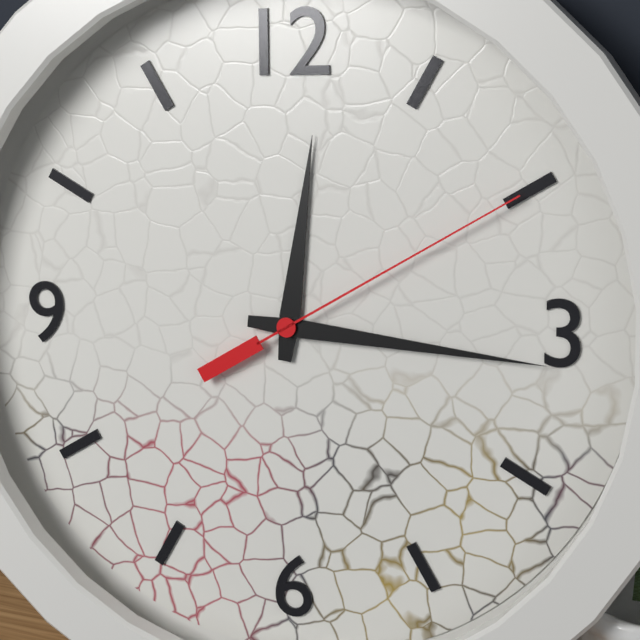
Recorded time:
12 h 16 min 10 s
